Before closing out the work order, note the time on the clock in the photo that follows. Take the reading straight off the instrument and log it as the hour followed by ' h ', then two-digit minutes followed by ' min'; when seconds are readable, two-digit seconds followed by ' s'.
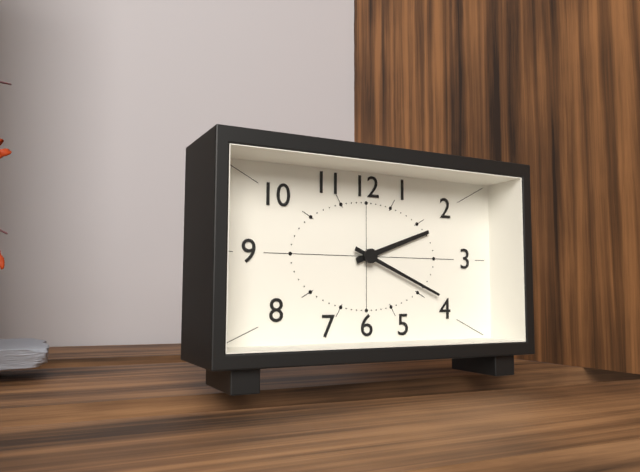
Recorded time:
2 h 19 min
